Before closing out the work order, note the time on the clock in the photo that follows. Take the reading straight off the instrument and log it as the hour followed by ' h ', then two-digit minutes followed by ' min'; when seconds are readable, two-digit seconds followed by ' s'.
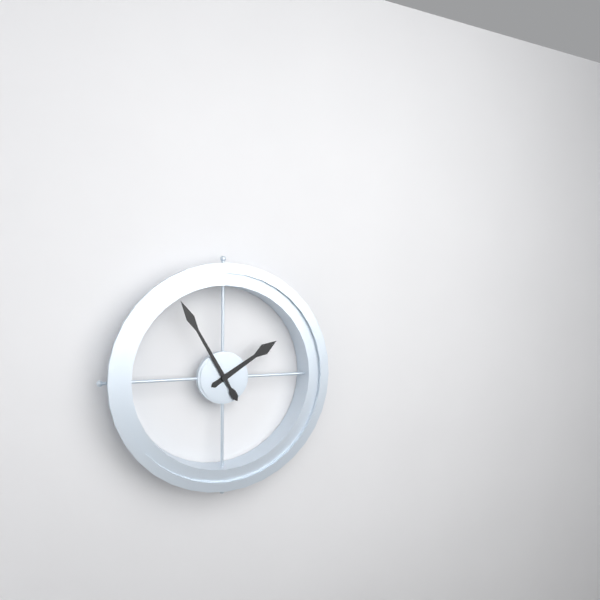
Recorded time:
1 h 55 min
